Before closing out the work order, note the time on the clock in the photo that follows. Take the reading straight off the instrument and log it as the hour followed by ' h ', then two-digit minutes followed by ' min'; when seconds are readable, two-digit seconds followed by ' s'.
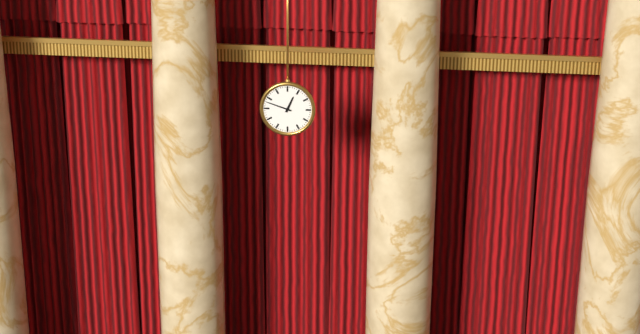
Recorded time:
12 h 48 min
